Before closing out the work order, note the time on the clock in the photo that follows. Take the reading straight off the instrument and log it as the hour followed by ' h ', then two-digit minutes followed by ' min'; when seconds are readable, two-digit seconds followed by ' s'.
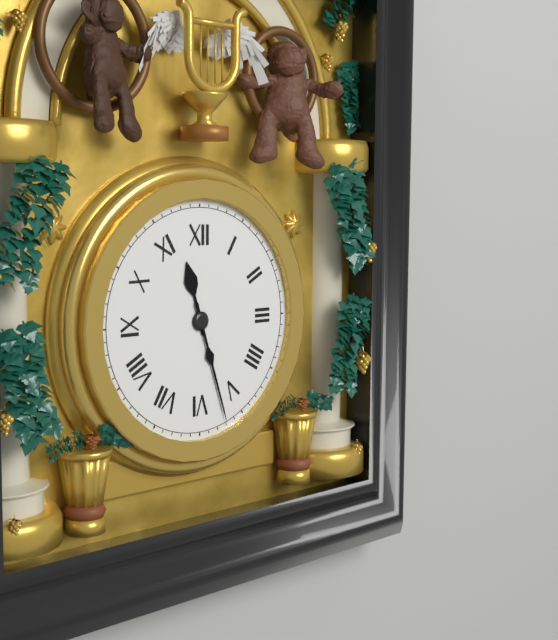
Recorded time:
11 h 27 min
